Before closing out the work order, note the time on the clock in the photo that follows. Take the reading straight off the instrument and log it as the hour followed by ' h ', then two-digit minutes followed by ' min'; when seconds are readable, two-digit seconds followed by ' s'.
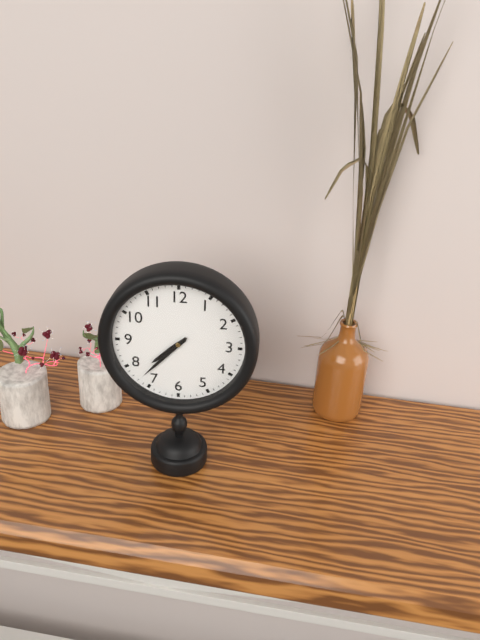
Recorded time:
7 h 37 min
